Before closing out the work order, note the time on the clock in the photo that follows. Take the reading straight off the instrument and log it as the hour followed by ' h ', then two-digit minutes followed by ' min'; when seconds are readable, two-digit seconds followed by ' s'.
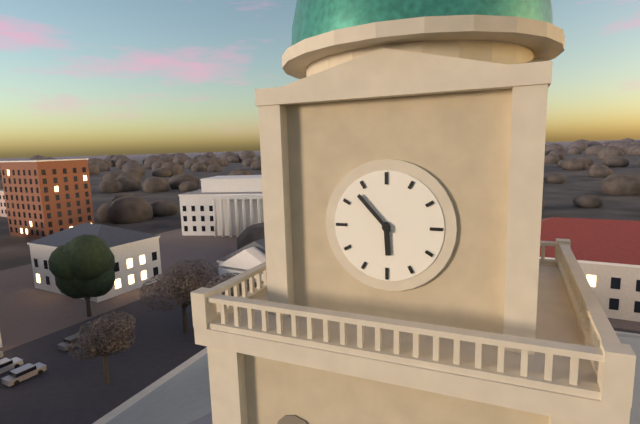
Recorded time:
5 h 53 min
